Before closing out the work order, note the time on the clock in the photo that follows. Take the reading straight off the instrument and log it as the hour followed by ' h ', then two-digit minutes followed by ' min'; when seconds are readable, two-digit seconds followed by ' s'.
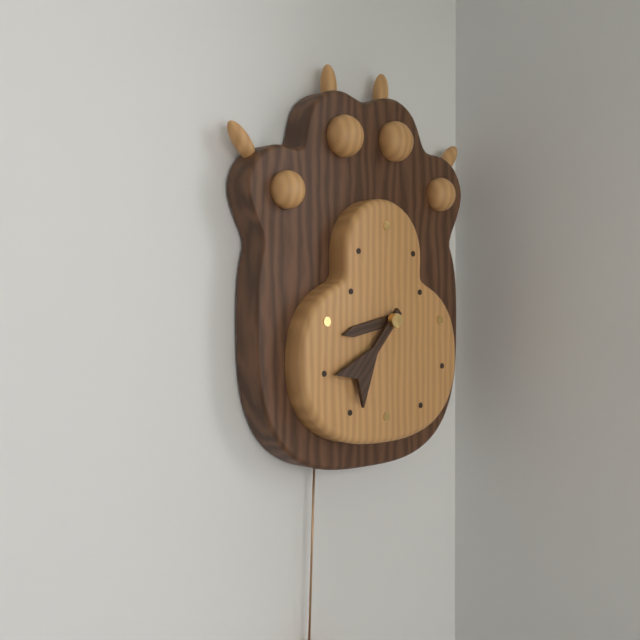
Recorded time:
8 h 37 min
